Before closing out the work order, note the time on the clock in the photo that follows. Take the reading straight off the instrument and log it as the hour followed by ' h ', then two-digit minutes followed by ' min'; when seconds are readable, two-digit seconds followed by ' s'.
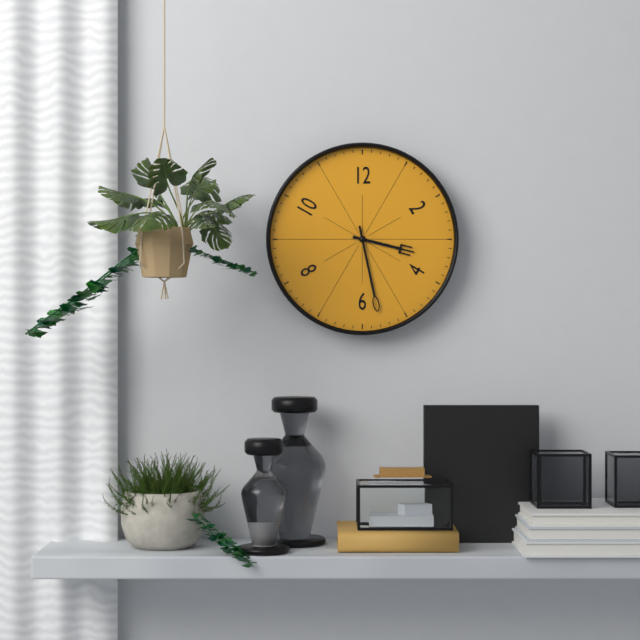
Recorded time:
3 h 28 min
